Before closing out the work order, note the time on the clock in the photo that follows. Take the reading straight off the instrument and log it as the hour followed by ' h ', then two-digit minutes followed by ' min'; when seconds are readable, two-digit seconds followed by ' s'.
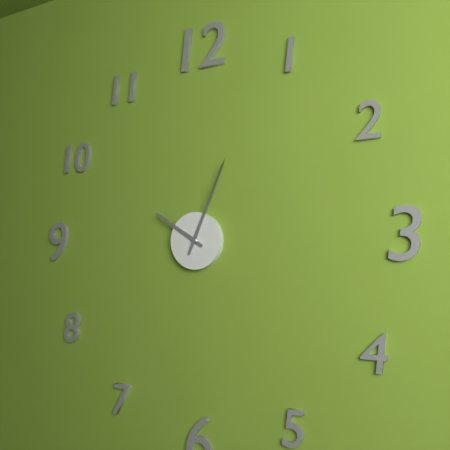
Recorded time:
10 h 04 min
